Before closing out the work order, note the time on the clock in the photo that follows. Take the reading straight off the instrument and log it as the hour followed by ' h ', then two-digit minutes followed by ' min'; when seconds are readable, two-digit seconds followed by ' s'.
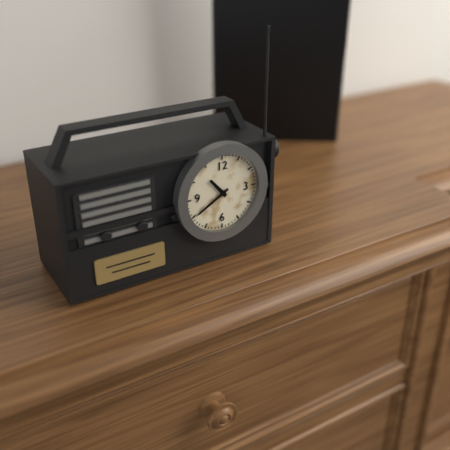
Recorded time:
10 h 40 min
